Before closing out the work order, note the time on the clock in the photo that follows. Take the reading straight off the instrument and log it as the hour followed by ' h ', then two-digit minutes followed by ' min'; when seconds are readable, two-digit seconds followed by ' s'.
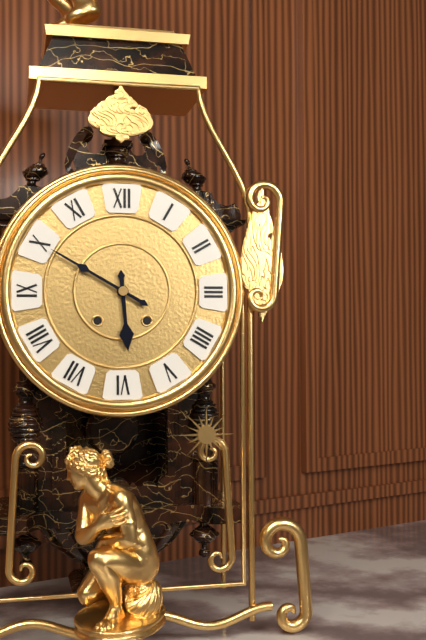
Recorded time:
5 h 50 min
